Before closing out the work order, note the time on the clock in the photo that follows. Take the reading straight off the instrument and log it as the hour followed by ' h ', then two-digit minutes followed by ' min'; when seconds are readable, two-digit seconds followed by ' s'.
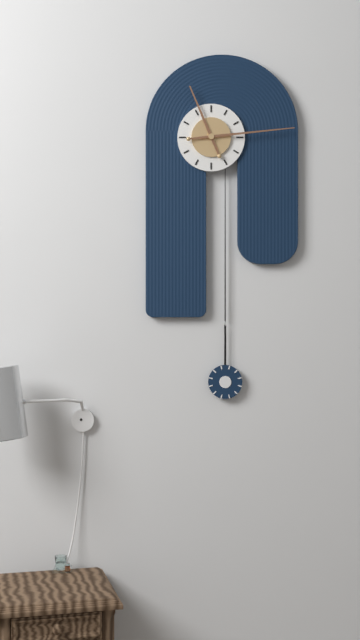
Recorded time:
11 h 14 min
